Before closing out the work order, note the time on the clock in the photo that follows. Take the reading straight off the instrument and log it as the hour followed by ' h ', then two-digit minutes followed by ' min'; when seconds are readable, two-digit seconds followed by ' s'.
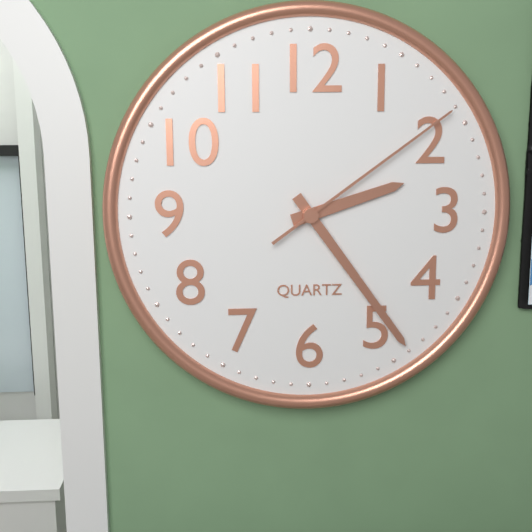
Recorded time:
2 h 24 min 09 s
